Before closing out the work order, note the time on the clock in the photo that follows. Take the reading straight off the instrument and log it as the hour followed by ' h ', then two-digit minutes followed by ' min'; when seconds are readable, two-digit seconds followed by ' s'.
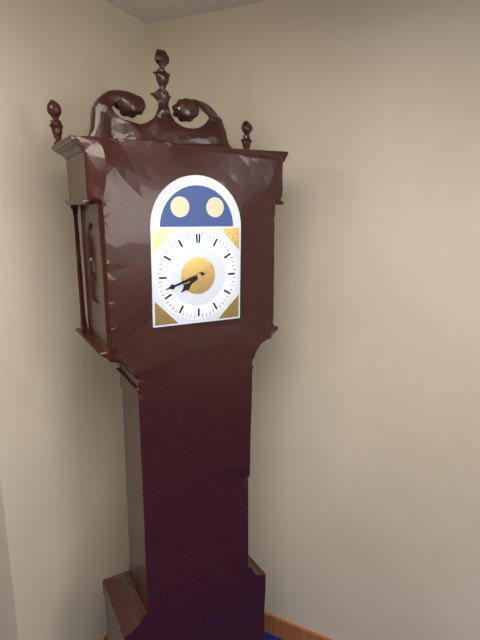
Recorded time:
7 h 42 min
